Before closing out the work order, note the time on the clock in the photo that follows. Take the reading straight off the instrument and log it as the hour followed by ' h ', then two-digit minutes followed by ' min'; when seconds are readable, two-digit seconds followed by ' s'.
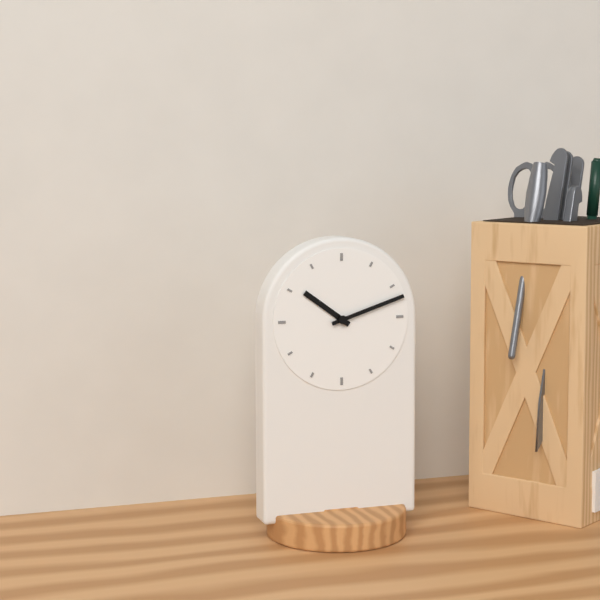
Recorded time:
10 h 12 min
